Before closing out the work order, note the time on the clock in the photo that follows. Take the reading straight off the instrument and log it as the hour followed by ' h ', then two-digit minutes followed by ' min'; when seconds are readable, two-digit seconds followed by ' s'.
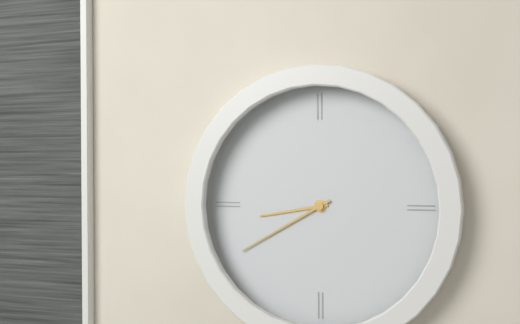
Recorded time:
8 h 40 min
